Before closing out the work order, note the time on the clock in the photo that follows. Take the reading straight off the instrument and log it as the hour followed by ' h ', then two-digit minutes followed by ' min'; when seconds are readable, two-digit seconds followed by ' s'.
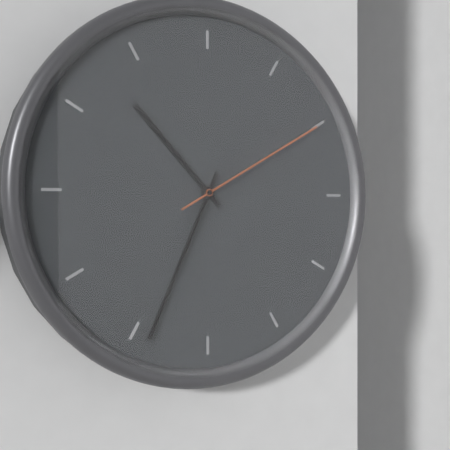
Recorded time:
10 h 34 min 10 s
